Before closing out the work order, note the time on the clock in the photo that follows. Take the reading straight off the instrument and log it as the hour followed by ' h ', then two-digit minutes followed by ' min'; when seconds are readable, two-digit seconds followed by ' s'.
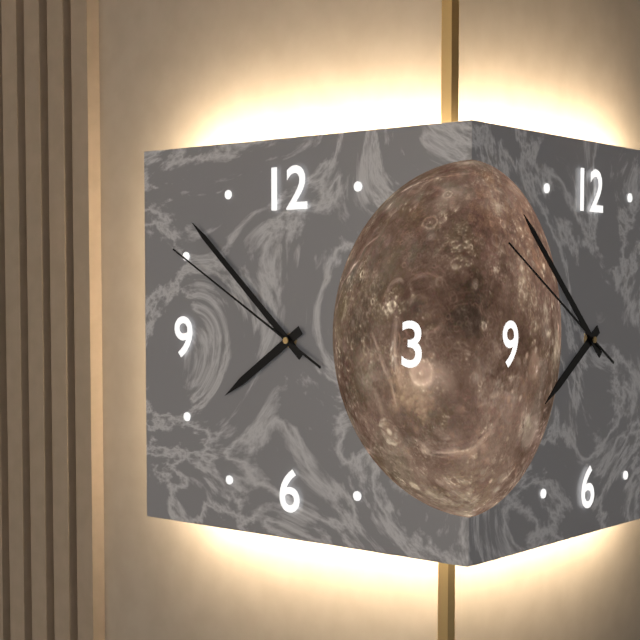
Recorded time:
7 h 52 min 50 s
